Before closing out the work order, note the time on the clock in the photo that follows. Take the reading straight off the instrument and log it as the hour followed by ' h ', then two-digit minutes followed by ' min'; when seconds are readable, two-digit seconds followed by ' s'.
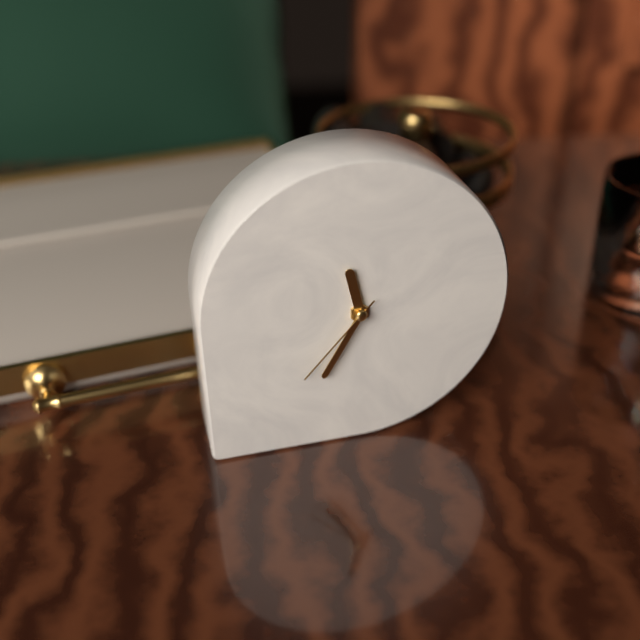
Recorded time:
11 h 35 min 37 s
